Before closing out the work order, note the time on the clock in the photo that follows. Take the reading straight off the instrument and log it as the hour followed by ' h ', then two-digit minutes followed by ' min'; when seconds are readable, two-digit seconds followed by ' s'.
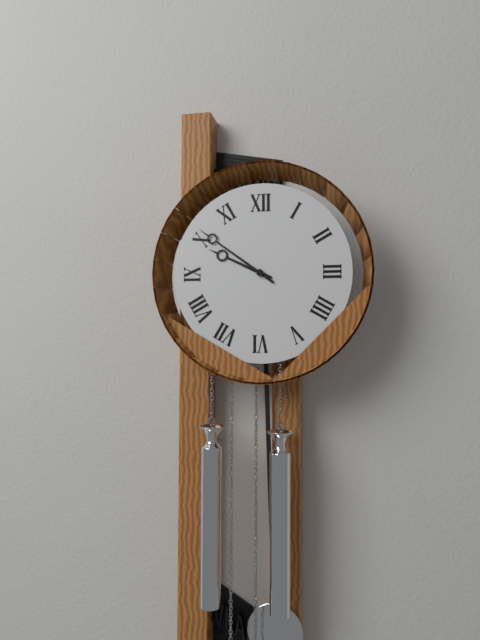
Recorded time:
9 h 51 min
